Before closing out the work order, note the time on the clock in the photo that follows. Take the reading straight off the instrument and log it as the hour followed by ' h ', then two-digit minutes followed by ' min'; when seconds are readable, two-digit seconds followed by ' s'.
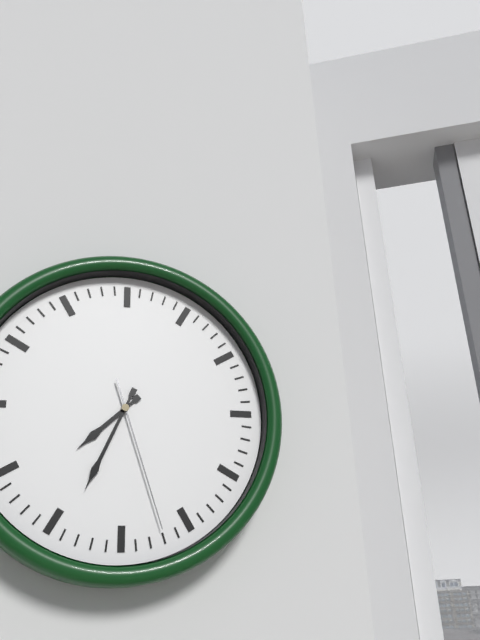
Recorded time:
7 h 34 min 27 s
